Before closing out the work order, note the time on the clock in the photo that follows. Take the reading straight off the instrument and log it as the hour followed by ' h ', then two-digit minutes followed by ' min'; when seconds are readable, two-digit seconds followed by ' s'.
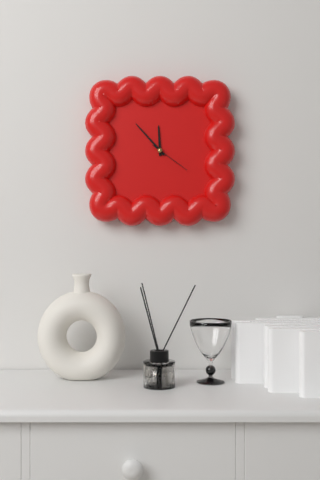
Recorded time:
11 h 53 min
